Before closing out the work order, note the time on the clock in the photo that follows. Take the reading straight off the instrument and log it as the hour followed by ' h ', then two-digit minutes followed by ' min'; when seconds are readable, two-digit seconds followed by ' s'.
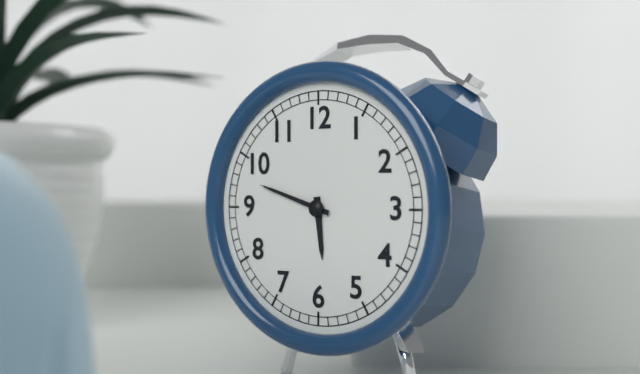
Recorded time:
5 h 48 min
